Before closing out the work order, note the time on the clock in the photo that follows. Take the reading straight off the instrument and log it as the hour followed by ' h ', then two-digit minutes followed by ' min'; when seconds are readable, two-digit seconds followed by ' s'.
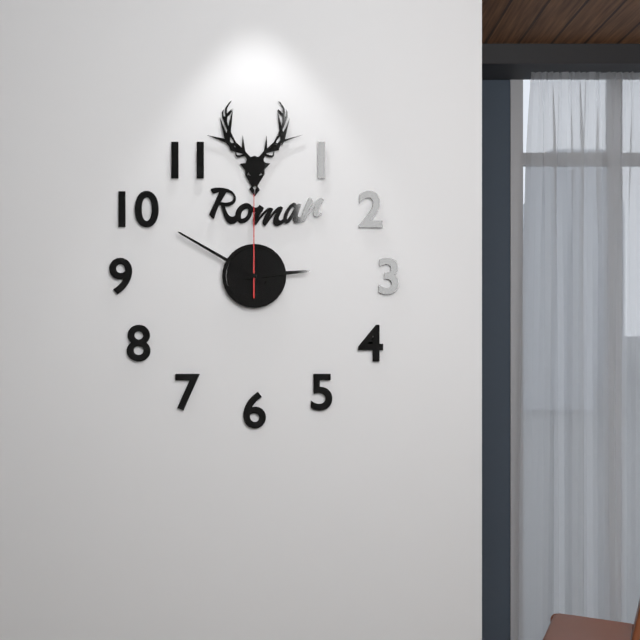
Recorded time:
2 h 50 min 00 s
